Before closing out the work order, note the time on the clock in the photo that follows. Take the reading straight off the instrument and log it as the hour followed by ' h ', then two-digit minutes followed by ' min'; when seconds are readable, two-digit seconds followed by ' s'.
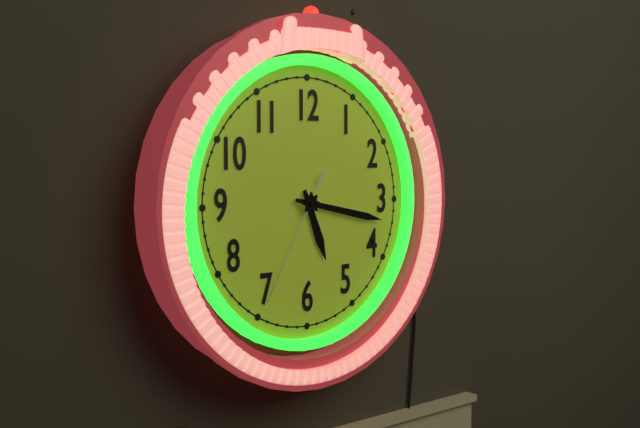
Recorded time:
5 h 17 min 35 s
